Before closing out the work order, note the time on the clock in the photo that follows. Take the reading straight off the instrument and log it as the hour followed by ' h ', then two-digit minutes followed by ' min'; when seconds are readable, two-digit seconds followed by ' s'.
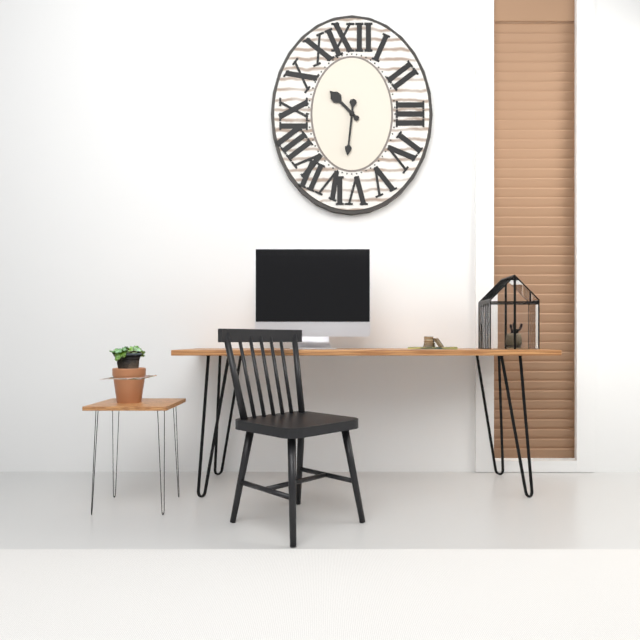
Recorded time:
10 h 31 min
